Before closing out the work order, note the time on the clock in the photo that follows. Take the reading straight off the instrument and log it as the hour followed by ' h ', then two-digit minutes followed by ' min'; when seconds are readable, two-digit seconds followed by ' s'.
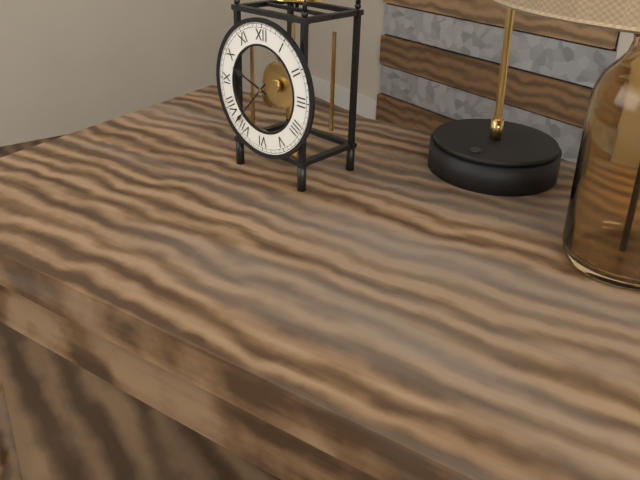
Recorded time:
9 h 37 min
